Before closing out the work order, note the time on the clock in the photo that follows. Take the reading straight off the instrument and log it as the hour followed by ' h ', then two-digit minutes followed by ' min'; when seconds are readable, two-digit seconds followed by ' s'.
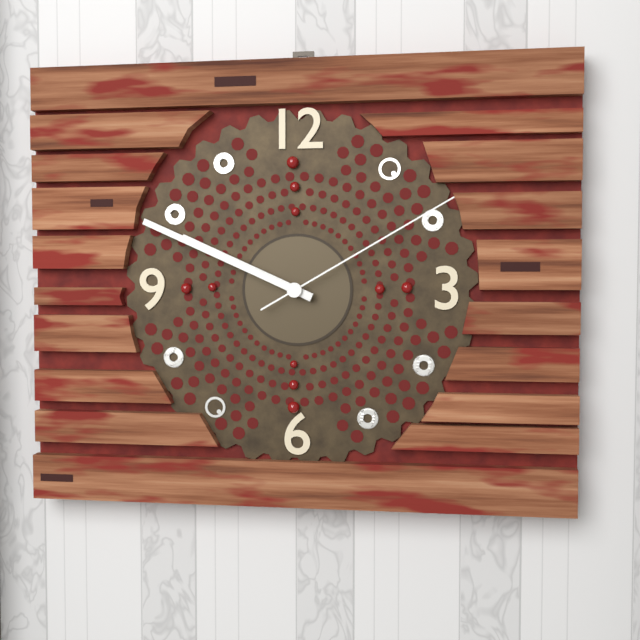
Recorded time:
9 h 49 min 10 s
